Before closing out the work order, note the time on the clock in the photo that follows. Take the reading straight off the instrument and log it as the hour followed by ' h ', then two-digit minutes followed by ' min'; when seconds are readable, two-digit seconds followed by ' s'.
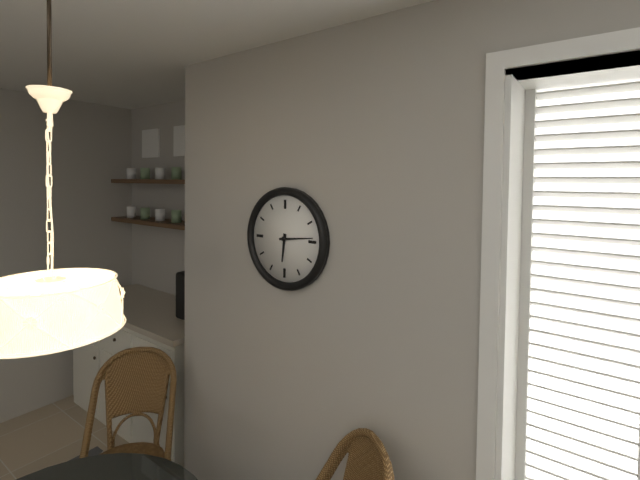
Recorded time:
6 h 14 min
